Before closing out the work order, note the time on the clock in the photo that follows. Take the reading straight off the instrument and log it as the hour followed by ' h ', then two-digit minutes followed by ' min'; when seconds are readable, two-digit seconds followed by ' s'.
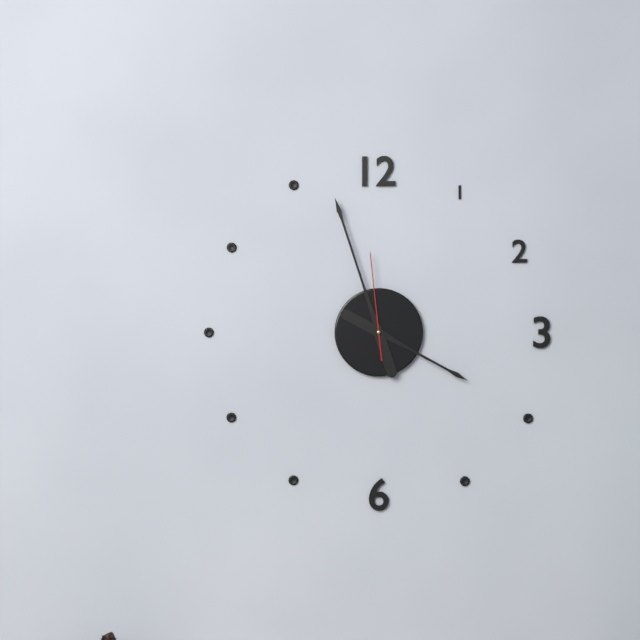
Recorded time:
3 h 57 min 59 s
